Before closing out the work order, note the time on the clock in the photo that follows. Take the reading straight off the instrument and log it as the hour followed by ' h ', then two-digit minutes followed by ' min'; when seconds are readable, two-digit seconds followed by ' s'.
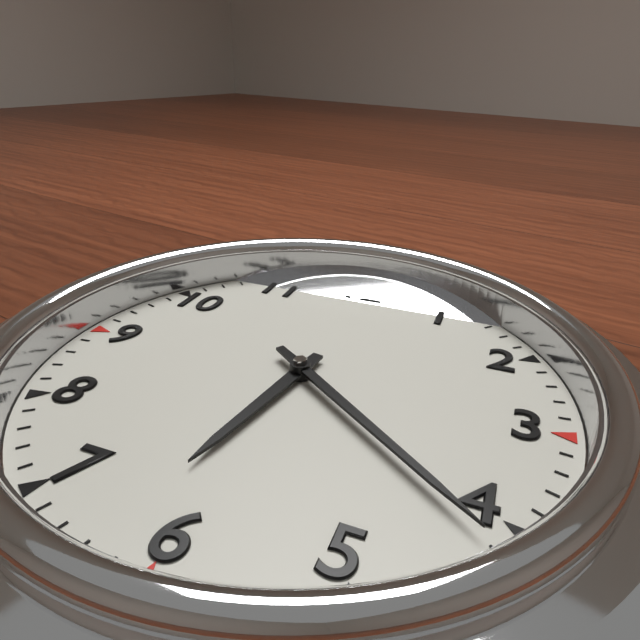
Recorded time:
6 h 21 min
